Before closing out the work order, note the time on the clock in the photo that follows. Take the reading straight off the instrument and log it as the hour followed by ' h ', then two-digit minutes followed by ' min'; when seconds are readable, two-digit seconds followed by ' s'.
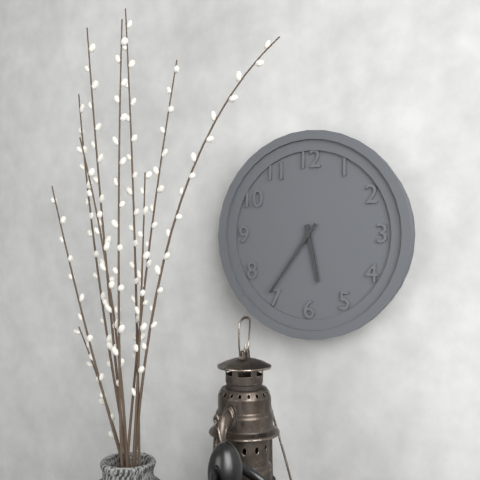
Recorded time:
5 h 36 min
